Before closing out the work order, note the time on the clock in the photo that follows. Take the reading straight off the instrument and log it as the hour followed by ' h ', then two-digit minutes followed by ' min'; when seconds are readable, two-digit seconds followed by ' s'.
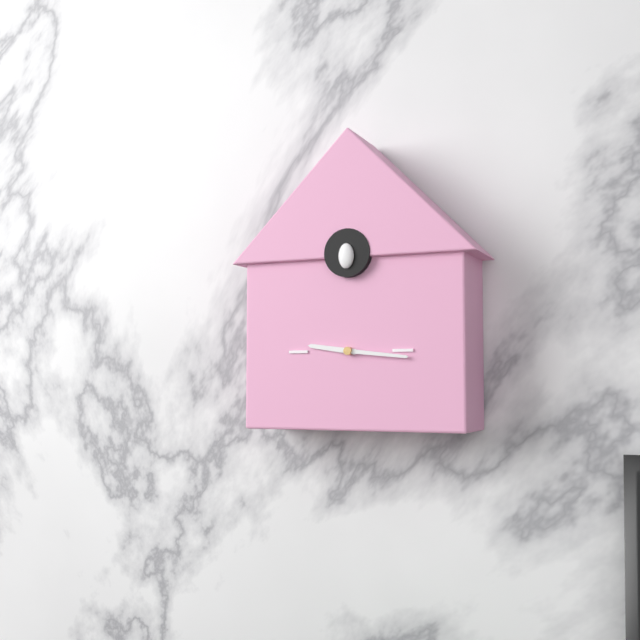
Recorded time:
9 h 16 min
